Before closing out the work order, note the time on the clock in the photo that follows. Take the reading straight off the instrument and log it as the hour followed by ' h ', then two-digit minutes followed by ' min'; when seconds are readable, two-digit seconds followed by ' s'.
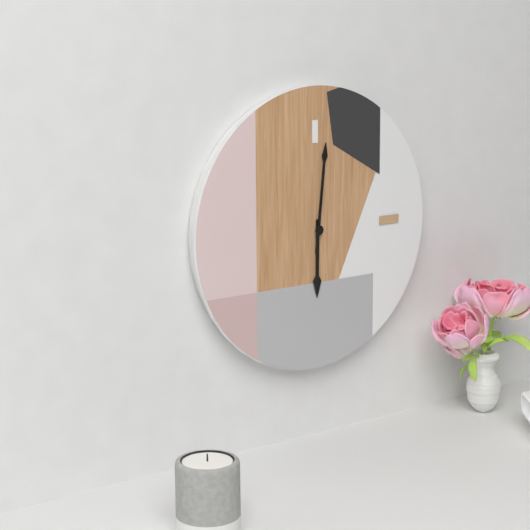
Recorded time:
6 h 01 min
